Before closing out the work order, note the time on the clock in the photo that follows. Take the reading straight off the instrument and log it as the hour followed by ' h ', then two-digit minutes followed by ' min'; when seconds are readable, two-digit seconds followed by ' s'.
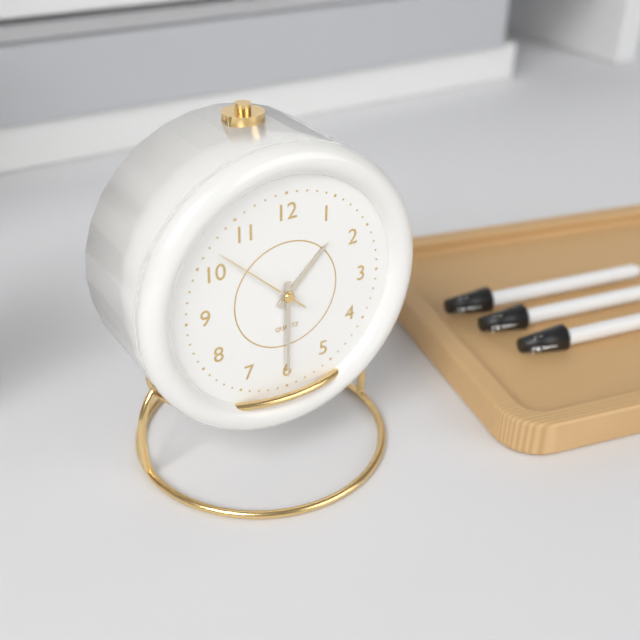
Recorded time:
1 h 30 min 52 s
